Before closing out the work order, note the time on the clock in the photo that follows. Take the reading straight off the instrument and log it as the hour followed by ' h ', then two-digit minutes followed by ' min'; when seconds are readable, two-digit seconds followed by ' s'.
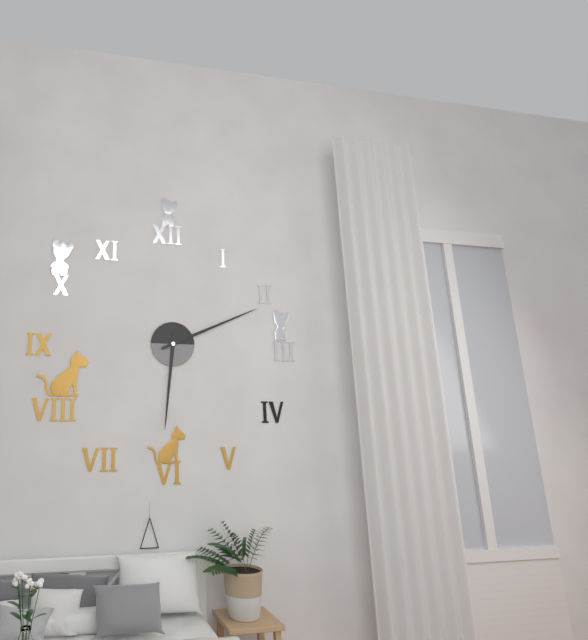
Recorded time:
6 h 11 min
